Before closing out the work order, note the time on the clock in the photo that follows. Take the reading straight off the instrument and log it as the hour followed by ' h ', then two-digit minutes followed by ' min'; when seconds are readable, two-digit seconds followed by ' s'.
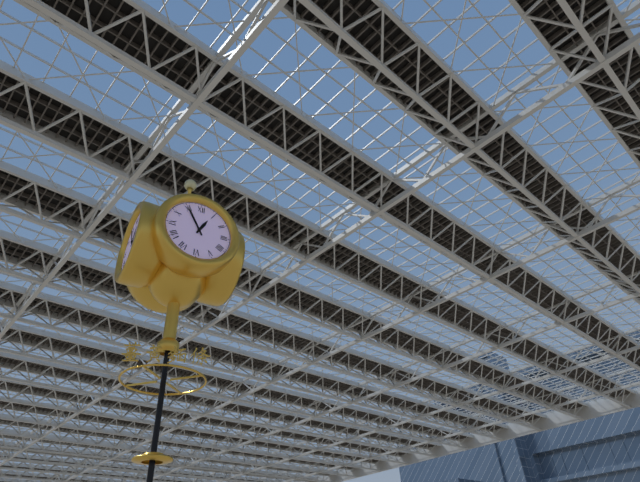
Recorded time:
12 h 55 min
